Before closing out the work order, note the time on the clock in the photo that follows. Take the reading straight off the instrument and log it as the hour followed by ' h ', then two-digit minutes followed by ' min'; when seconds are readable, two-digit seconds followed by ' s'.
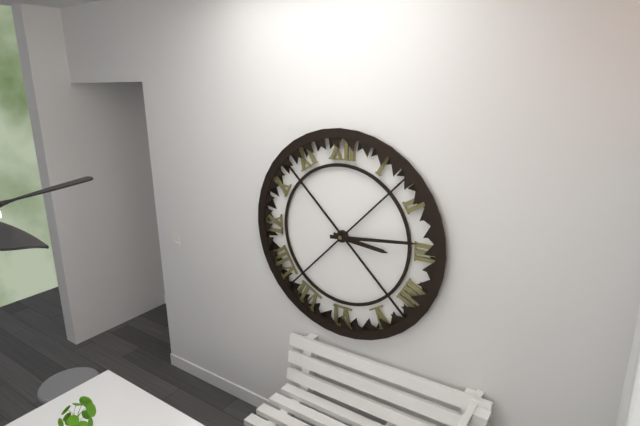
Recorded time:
3 h 14 min
